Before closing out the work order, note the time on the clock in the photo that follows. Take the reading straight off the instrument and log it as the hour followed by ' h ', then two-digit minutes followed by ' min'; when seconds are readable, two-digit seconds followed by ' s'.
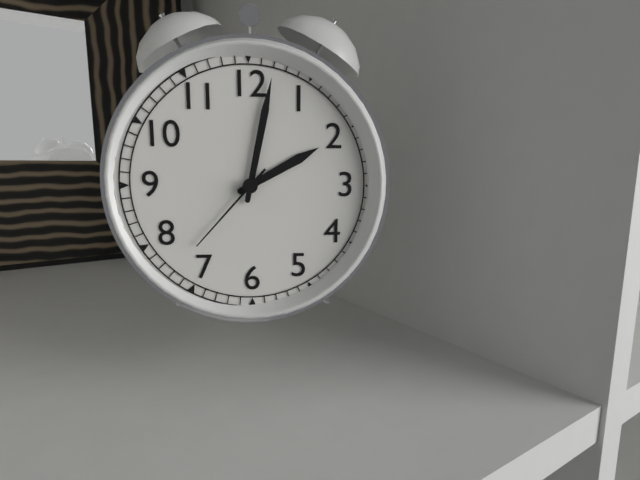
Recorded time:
2 h 02 min 37 s
